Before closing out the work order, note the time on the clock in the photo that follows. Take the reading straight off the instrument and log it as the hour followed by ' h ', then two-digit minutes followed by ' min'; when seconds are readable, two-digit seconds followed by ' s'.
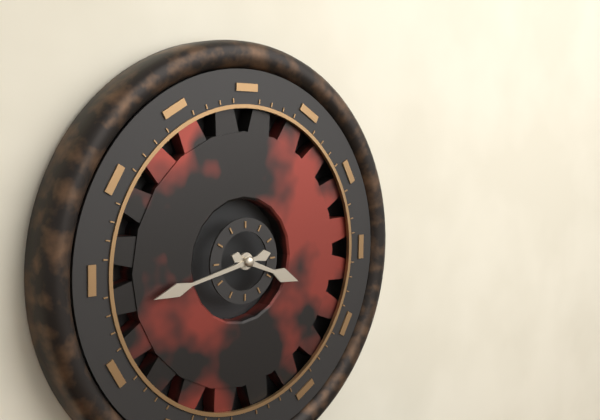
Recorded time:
3 h 43 min
